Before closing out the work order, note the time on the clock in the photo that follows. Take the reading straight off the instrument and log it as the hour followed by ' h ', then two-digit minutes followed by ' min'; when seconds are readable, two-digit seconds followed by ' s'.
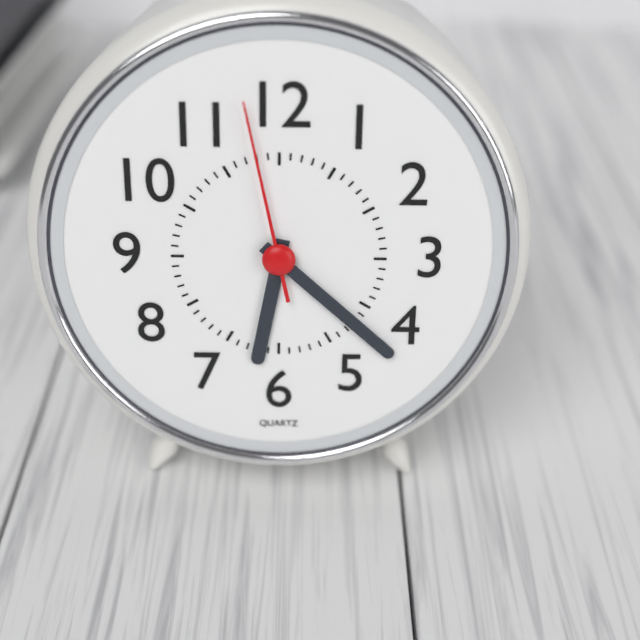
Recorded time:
6 h 22 min 58 s
